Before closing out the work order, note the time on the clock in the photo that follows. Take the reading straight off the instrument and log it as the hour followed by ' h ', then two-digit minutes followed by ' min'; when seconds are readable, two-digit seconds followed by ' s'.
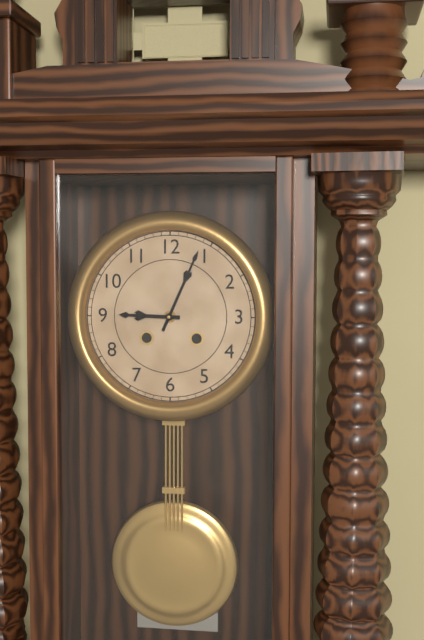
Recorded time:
9 h 04 min
